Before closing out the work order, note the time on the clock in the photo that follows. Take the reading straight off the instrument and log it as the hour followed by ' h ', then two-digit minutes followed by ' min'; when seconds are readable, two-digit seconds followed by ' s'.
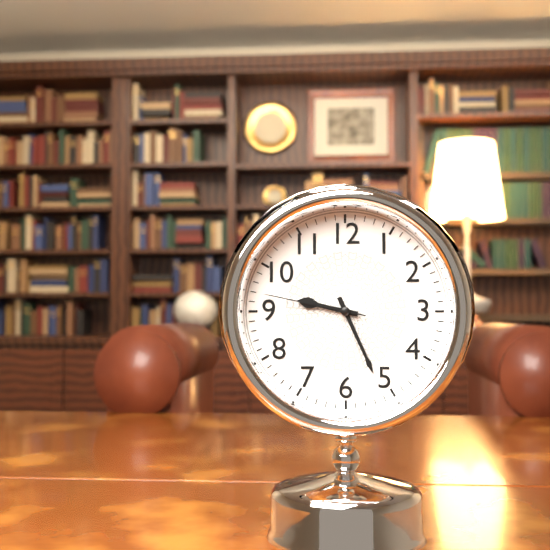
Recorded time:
9 h 26 min 47 s
